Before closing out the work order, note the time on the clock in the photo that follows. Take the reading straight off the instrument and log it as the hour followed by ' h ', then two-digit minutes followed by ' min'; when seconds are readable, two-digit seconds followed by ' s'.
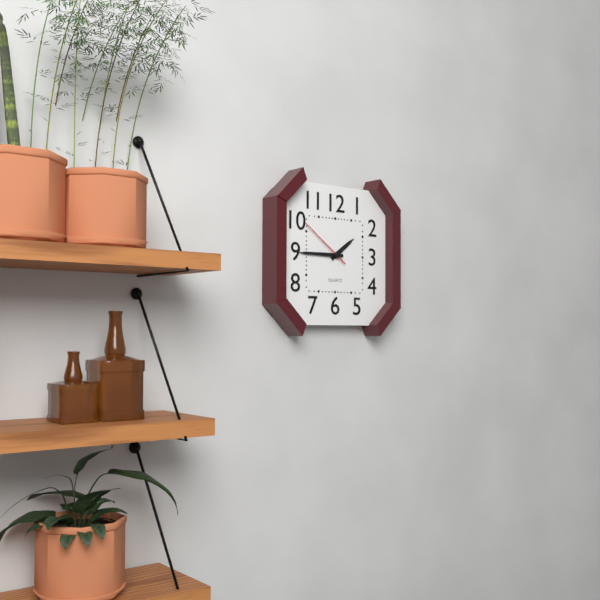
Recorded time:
1 h 45 min 51 s
